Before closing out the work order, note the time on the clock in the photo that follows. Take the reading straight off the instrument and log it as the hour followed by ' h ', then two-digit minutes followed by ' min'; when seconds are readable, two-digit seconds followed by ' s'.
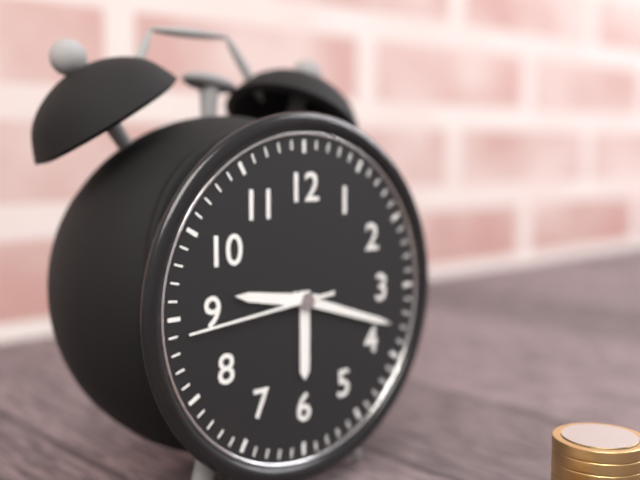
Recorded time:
9 h 18 min 44 s
